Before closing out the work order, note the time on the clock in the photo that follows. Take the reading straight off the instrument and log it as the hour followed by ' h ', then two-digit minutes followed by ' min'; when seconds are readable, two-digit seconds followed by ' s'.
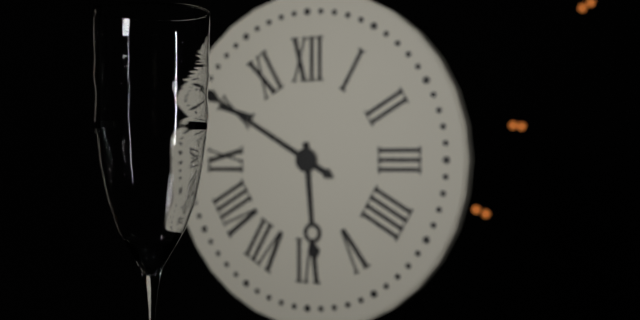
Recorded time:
5 h 50 min
